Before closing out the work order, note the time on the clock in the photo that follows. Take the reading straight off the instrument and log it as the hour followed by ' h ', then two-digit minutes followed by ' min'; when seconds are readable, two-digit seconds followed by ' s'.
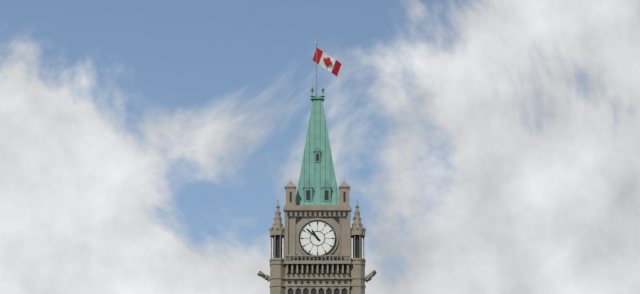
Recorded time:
10 h 52 min
